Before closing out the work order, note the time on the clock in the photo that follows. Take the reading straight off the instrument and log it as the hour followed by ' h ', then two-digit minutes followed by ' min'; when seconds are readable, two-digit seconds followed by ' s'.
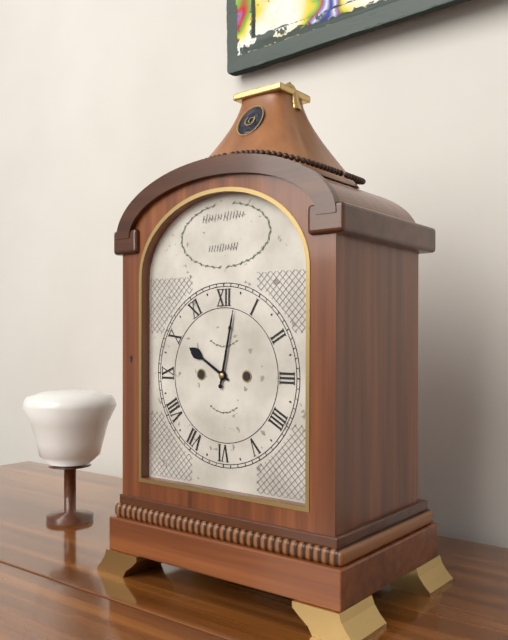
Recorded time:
10 h 02 min
